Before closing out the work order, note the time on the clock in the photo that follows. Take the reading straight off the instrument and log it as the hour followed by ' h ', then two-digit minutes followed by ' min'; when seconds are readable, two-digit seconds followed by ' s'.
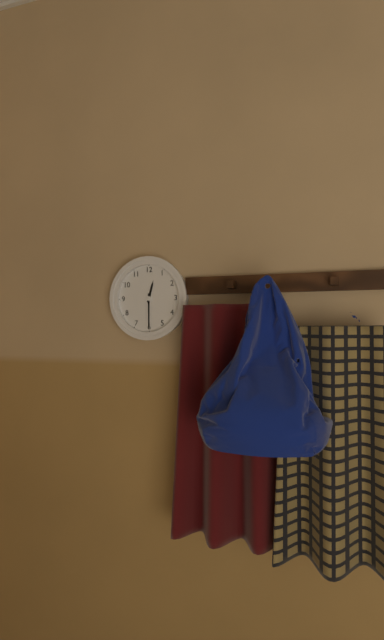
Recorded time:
12 h 30 min
